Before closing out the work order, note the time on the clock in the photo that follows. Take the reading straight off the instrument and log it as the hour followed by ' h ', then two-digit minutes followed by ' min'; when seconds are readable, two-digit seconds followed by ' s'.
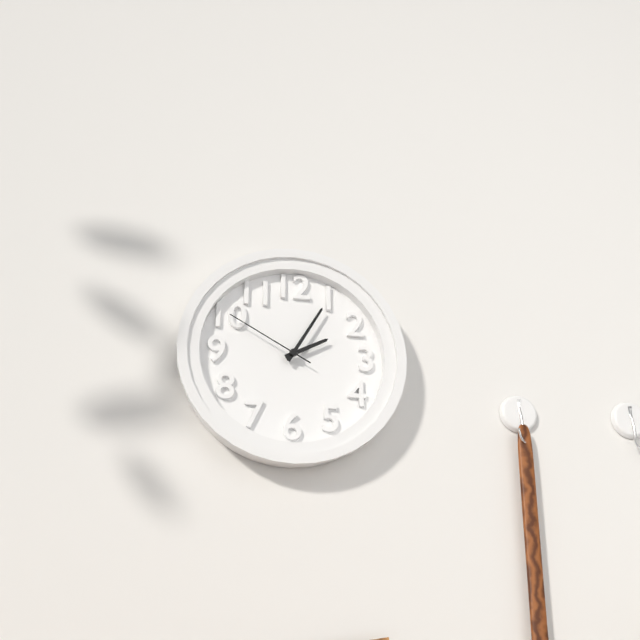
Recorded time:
2 h 05 min 50 s
